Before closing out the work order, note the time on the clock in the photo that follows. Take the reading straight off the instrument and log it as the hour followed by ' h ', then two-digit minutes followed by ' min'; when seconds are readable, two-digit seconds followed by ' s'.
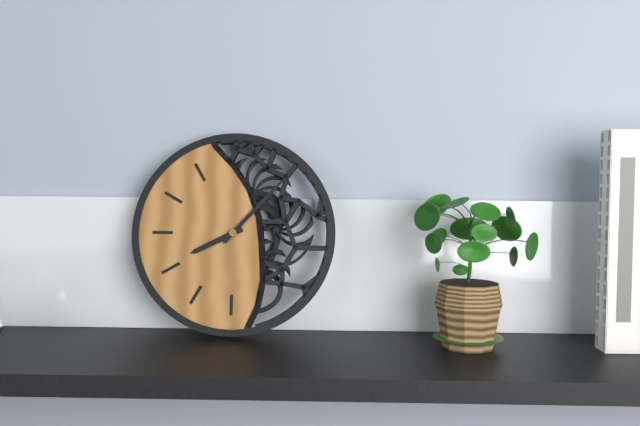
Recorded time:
8 h 07 min
